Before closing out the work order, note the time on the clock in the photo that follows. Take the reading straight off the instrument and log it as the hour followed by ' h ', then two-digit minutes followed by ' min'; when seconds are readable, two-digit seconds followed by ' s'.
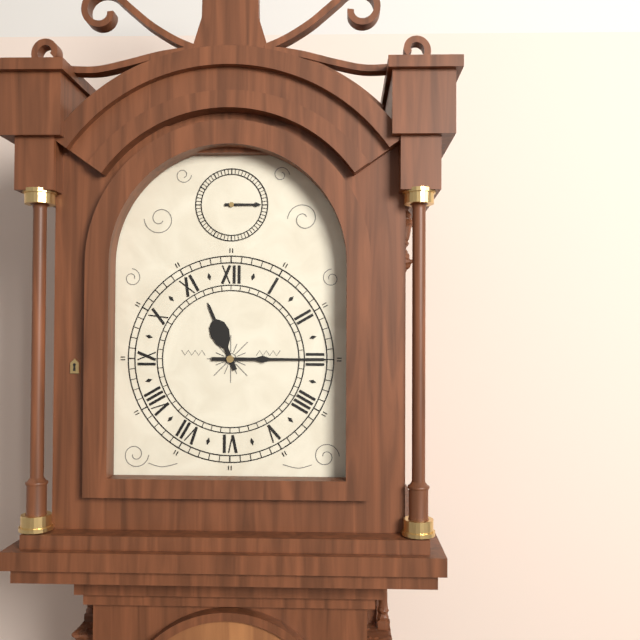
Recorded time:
11 h 15 min
